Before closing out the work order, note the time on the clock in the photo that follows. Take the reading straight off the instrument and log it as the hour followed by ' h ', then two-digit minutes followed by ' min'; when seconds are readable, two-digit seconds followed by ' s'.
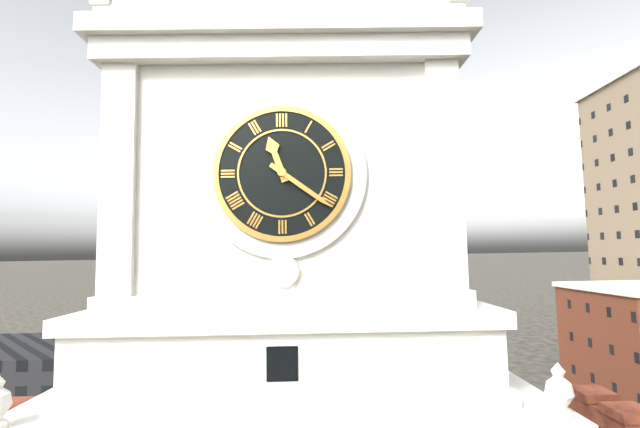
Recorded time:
11 h 21 min
